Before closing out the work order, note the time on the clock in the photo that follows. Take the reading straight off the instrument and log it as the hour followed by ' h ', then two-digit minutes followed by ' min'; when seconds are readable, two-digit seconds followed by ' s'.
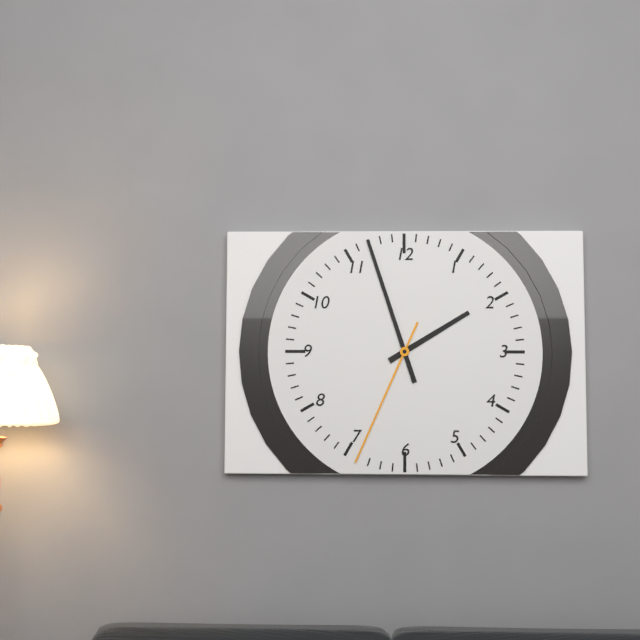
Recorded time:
1 h 57 min 34 s
